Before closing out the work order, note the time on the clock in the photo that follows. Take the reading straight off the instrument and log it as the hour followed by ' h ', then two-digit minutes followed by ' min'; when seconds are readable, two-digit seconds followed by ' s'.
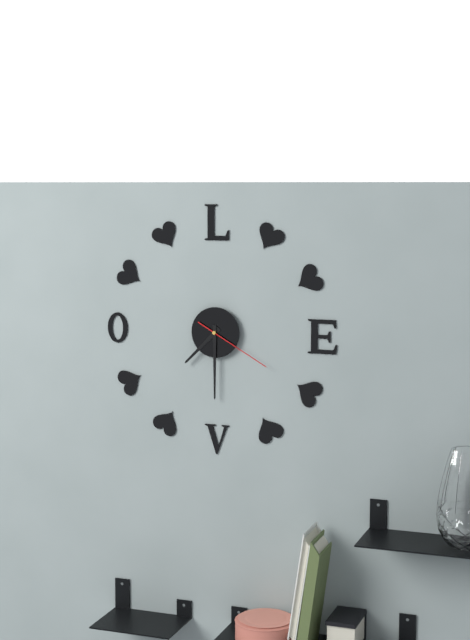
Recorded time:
7 h 30 min 20 s
